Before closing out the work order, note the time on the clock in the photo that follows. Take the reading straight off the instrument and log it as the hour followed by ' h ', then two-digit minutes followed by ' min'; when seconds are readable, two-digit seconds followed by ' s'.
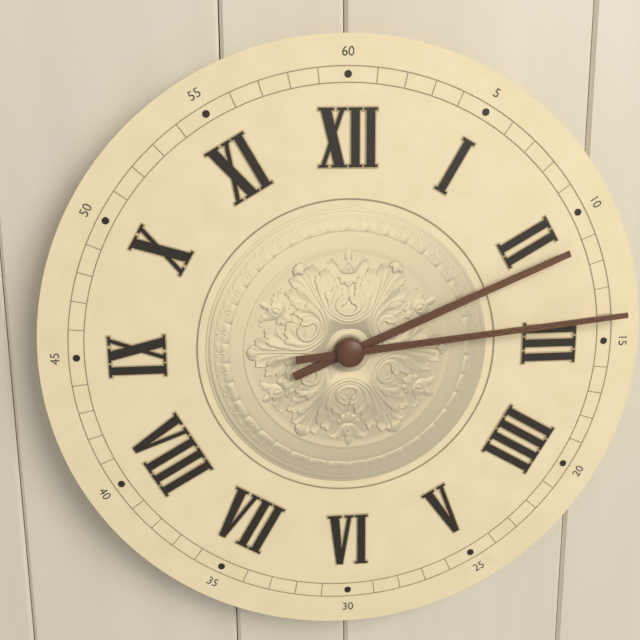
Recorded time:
2 h 14 min
